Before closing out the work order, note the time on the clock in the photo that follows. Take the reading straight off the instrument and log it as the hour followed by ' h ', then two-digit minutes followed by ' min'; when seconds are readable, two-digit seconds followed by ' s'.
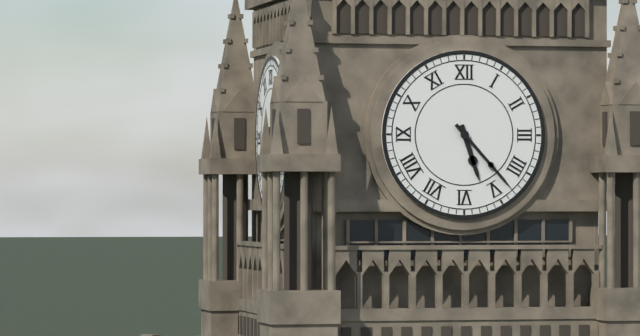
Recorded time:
5 h 23 min
